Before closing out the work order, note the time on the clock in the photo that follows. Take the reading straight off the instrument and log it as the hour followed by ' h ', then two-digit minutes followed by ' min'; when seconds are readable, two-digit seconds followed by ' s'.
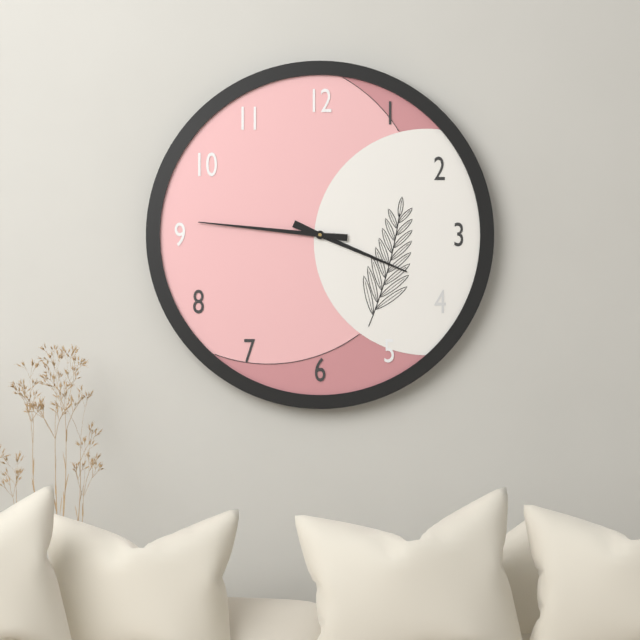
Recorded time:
3 h 46 min
